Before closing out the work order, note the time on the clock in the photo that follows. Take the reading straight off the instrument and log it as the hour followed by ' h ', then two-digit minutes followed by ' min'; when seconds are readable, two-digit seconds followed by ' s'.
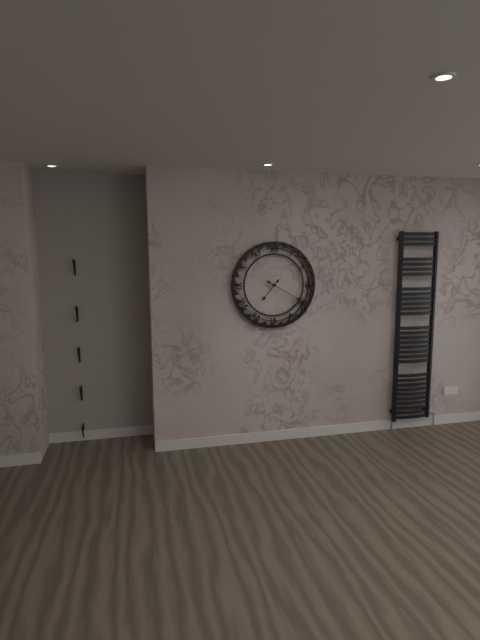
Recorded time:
7 h 20 min
